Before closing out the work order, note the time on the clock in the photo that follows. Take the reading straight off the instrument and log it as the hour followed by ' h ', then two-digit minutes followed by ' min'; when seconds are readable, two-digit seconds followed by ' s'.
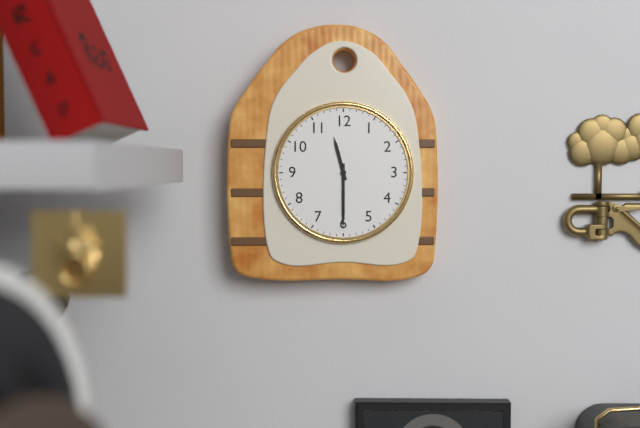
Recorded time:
11 h 30 min
